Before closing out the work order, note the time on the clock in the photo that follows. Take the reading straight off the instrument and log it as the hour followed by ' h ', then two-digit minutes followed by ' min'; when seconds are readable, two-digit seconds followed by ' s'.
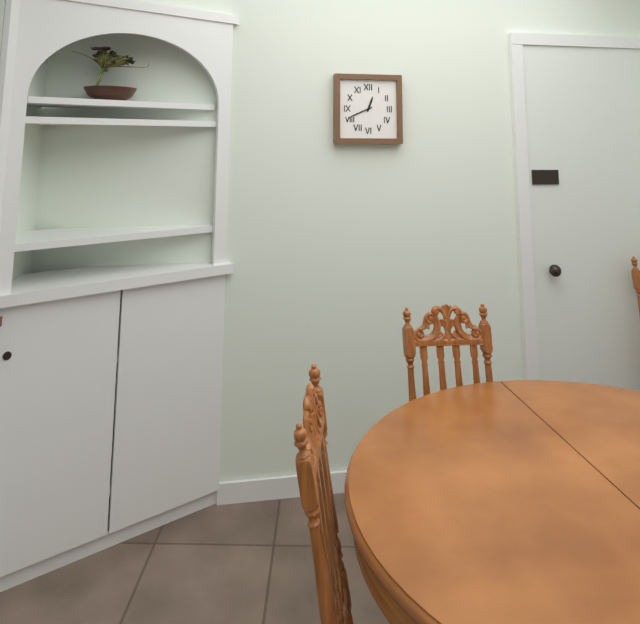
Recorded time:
12 h 41 min
